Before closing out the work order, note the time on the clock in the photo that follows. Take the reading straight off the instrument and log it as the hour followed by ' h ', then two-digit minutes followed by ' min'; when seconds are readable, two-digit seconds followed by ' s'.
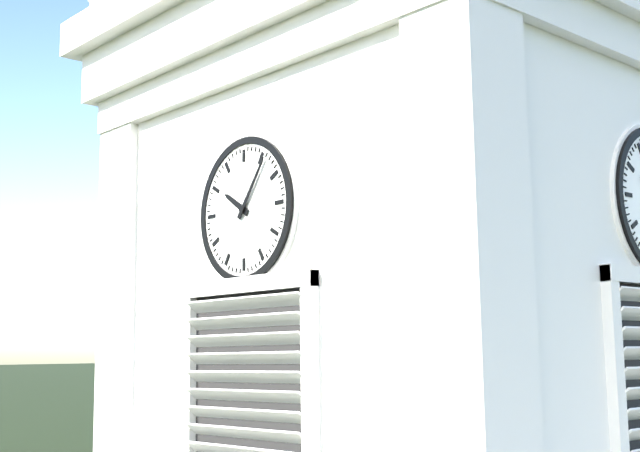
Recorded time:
10 h 06 min
